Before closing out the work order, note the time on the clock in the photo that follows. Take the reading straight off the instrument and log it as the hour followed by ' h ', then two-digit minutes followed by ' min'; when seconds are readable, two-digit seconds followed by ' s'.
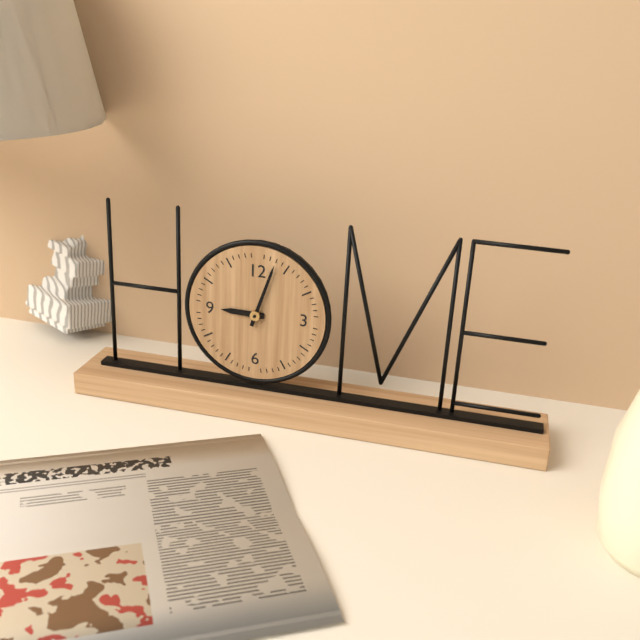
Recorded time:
9 h 03 min
